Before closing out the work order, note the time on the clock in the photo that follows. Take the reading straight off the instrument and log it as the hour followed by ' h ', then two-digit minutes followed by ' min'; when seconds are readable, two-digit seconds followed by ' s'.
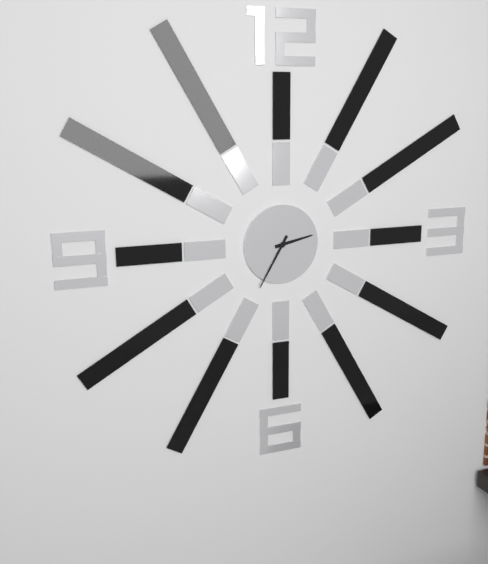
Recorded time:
2 h 35 min
